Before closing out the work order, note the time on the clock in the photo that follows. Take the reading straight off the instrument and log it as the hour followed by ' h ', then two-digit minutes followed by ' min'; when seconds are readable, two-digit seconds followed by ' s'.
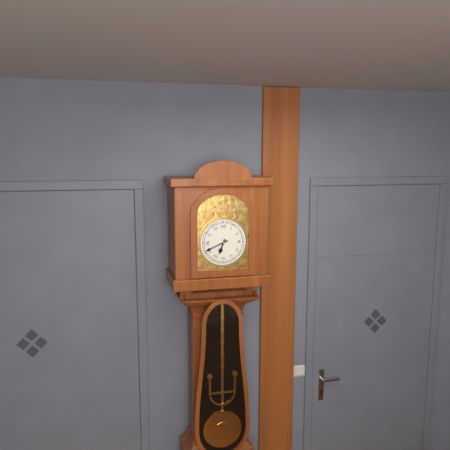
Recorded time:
6 h 41 min
